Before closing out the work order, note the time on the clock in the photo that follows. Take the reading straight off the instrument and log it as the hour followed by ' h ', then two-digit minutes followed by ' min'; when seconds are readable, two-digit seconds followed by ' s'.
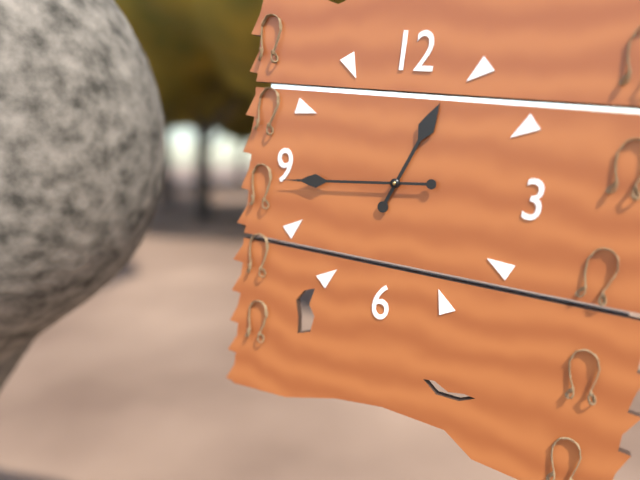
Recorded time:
12 h 44 min
